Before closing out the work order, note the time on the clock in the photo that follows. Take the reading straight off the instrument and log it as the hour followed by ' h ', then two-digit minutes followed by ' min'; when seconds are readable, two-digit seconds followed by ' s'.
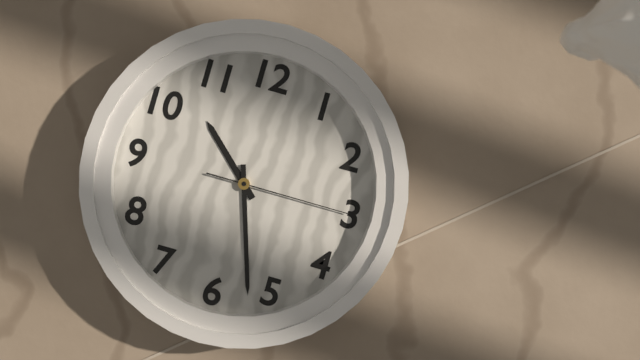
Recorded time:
10 h 27 min 15 s
